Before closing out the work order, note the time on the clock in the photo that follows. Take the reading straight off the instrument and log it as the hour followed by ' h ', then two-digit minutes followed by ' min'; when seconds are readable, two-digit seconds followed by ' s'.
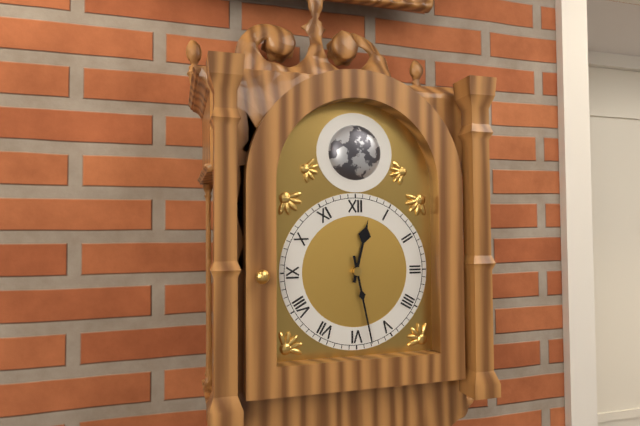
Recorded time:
12 h 28 min
